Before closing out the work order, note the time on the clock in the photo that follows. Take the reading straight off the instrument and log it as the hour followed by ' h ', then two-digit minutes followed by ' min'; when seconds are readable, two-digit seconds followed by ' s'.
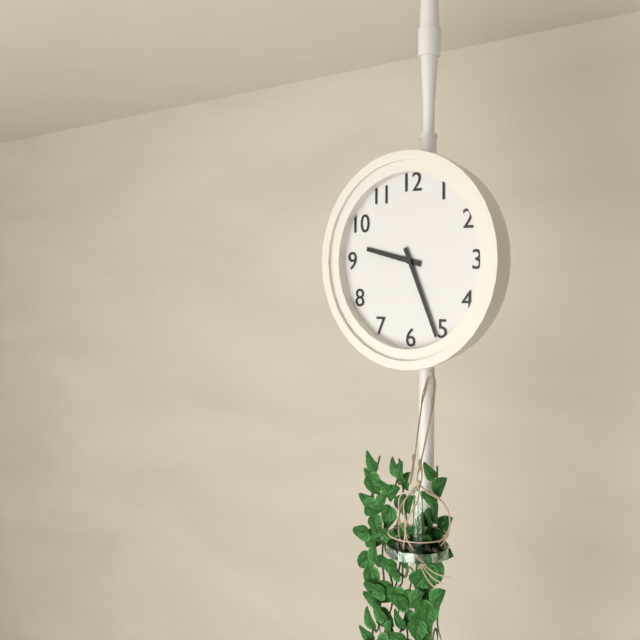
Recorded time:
9 h 26 min
